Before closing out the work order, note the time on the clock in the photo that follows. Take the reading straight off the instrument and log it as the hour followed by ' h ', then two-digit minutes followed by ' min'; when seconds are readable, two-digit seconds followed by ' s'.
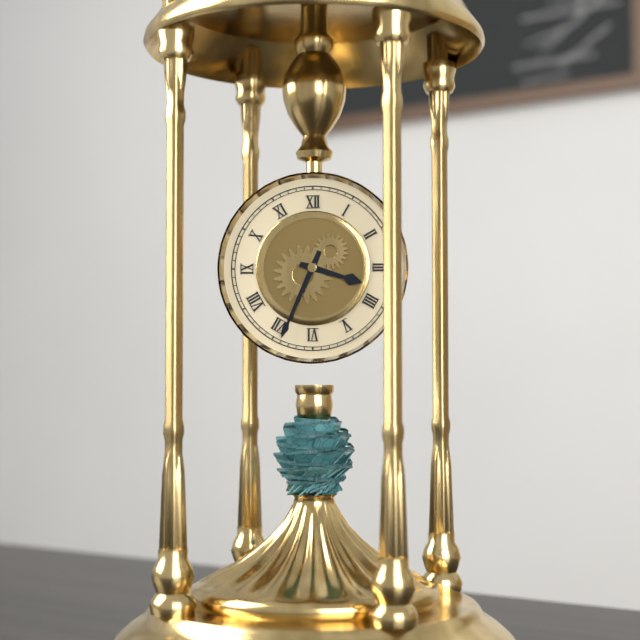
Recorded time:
3 h 34 min
